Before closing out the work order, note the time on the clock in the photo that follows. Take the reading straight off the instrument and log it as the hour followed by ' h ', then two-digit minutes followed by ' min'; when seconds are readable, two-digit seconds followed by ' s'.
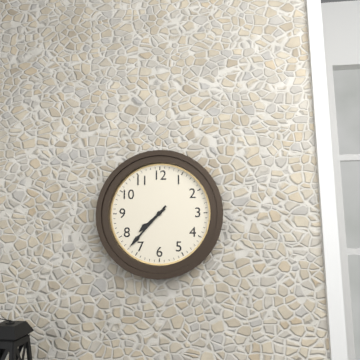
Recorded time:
7 h 37 min
